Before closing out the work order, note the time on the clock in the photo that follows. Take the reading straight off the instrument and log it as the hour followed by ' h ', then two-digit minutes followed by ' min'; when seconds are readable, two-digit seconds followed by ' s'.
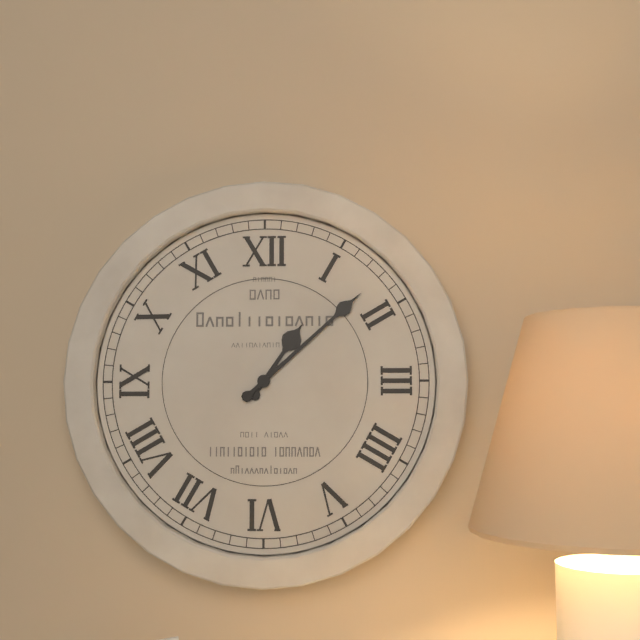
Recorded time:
1 h 08 min
